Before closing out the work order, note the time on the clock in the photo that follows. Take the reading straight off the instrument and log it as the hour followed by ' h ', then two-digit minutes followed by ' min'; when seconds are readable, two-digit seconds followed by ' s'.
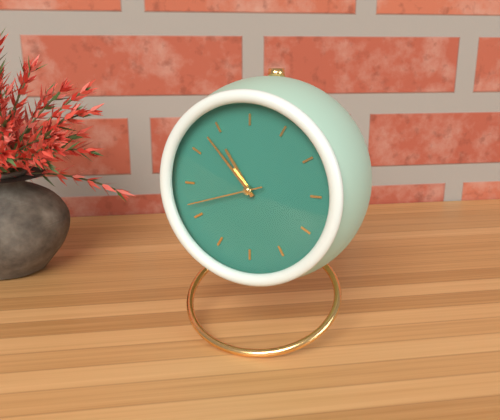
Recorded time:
10 h 53 min 42 s
